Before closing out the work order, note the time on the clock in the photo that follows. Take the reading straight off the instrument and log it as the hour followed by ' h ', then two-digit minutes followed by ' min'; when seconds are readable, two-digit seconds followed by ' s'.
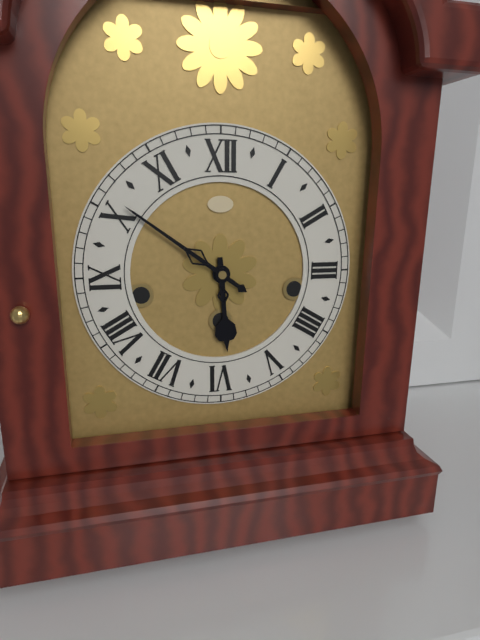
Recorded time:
5 h 51 min
